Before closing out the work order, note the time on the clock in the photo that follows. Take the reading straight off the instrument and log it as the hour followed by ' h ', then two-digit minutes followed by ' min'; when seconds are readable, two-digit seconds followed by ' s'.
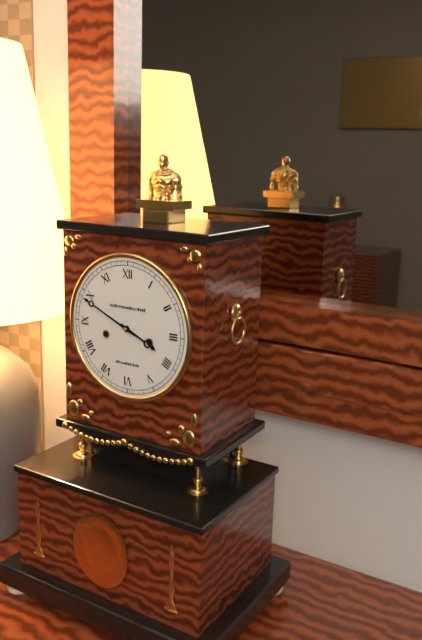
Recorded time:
3 h 49 min
